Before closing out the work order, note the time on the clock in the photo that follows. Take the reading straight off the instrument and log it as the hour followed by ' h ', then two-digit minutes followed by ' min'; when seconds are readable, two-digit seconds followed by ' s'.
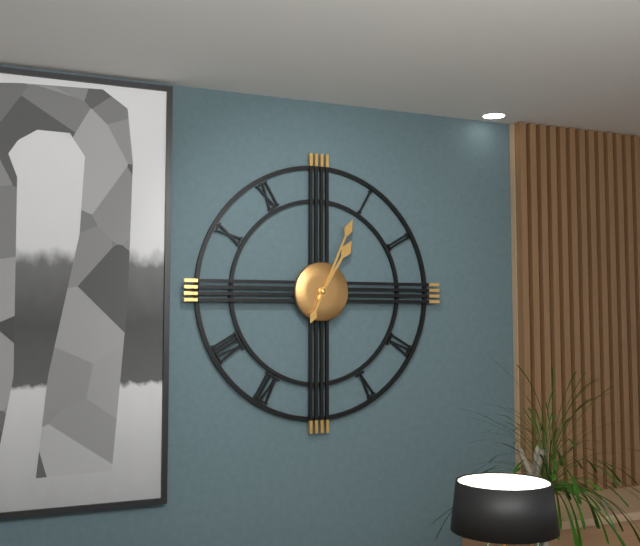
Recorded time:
1 h 04 min
